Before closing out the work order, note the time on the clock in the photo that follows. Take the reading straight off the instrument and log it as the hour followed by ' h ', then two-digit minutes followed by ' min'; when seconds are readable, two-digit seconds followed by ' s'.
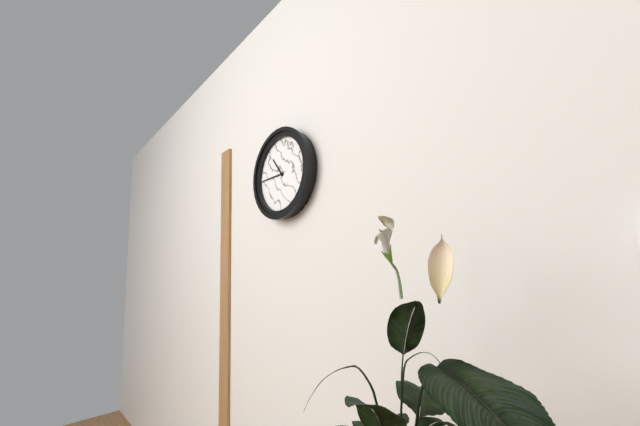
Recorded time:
10 h 45 min
